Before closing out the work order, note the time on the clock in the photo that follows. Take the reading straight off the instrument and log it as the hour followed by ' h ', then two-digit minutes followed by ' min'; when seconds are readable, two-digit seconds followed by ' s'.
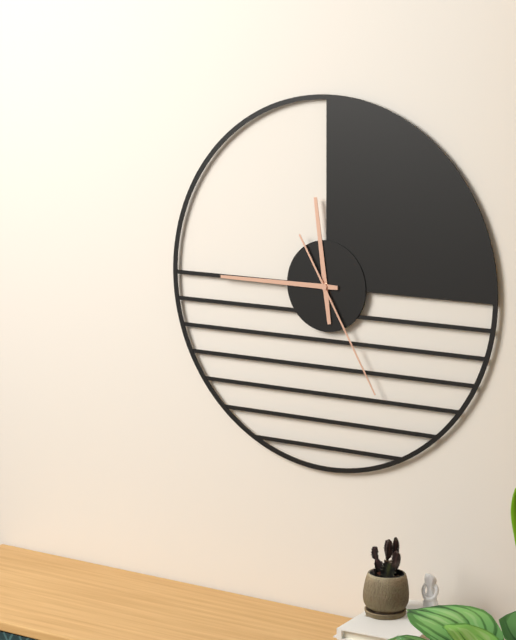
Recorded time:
11 h 45 min 25 s
